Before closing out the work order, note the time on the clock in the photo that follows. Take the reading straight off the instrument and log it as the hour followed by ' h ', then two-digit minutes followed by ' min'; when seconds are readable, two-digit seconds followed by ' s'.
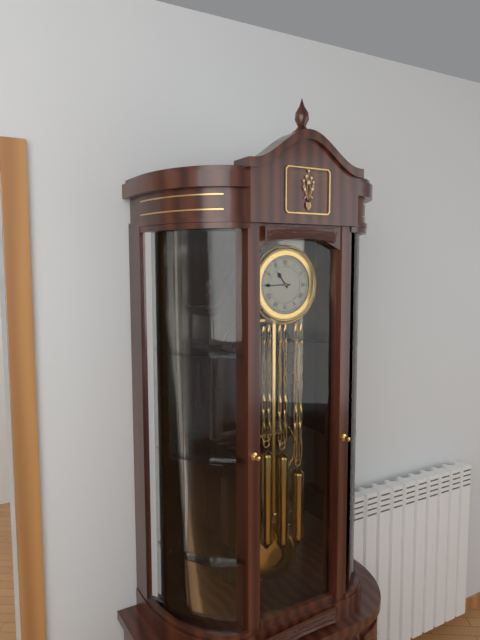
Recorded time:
10 h 45 min
